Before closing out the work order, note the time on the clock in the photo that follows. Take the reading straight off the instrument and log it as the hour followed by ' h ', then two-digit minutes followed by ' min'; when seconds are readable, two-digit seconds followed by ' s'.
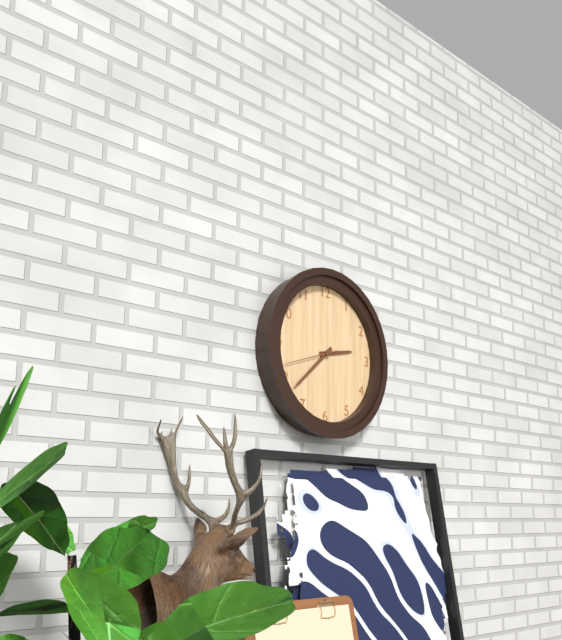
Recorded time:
2 h 38 min 42 s
